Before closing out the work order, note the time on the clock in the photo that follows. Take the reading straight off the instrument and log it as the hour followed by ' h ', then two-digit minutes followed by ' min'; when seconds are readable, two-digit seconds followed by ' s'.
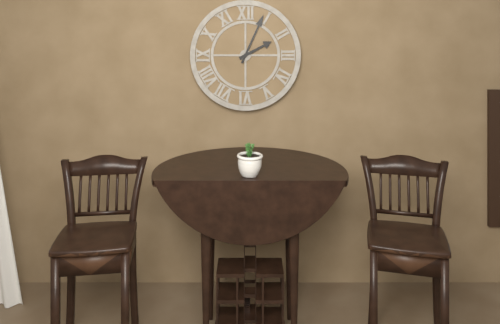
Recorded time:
2 h 04 min
